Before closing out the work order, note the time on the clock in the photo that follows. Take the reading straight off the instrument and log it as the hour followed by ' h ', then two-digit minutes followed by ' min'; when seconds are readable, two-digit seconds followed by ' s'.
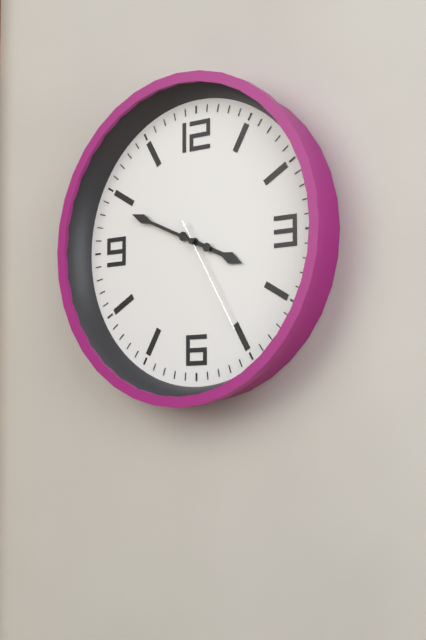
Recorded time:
3 h 49 min 25 s
